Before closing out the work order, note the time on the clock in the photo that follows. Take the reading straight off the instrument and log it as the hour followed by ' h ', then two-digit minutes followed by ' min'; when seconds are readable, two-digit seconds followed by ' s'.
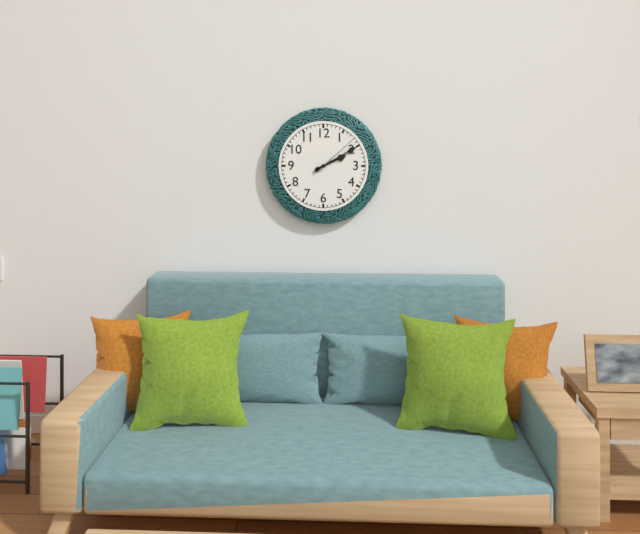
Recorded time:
2 h 10 min 08 s
